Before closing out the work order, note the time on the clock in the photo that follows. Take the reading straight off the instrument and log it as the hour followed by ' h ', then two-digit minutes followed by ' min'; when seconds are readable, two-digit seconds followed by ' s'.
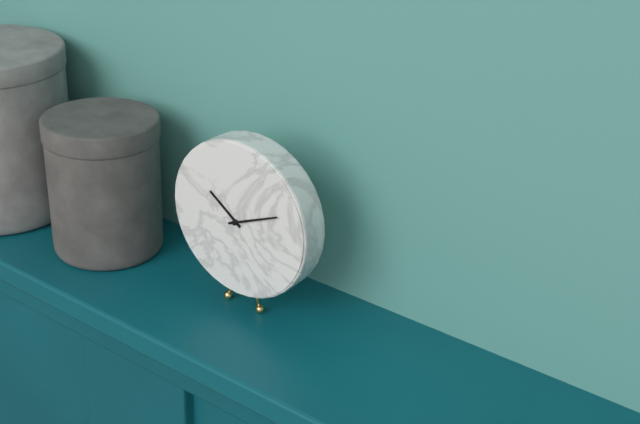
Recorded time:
10 h 11 min
